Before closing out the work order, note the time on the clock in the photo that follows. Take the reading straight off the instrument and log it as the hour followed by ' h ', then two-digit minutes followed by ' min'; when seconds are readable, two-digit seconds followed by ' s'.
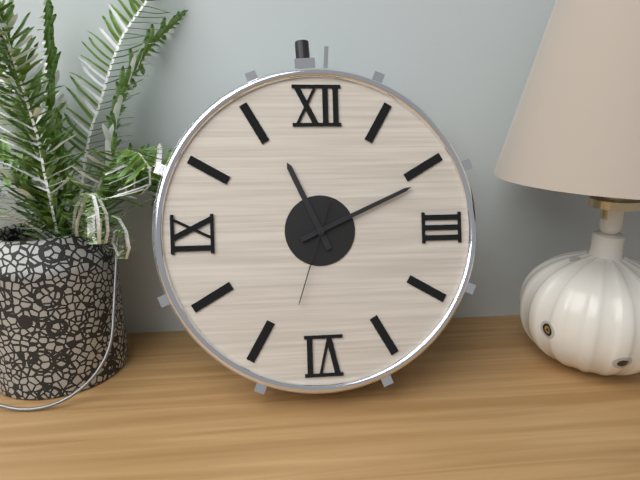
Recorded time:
11 h 11 min 33 s
